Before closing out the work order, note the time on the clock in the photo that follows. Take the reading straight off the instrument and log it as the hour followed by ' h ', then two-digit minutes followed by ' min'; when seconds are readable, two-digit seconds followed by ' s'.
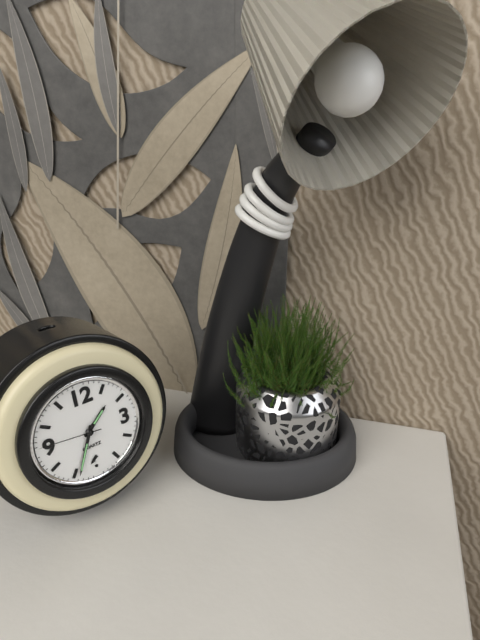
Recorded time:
1 h 34 min 46 s
